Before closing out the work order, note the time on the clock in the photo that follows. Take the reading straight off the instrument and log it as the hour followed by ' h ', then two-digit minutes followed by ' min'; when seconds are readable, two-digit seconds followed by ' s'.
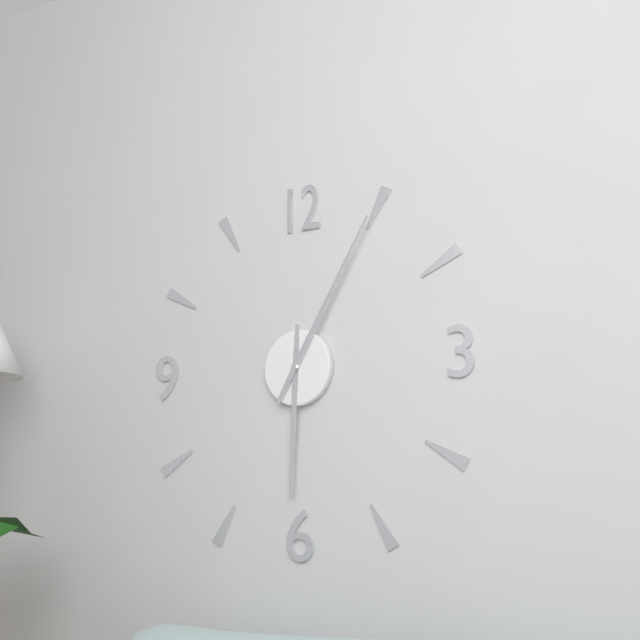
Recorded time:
6 h 05 min
